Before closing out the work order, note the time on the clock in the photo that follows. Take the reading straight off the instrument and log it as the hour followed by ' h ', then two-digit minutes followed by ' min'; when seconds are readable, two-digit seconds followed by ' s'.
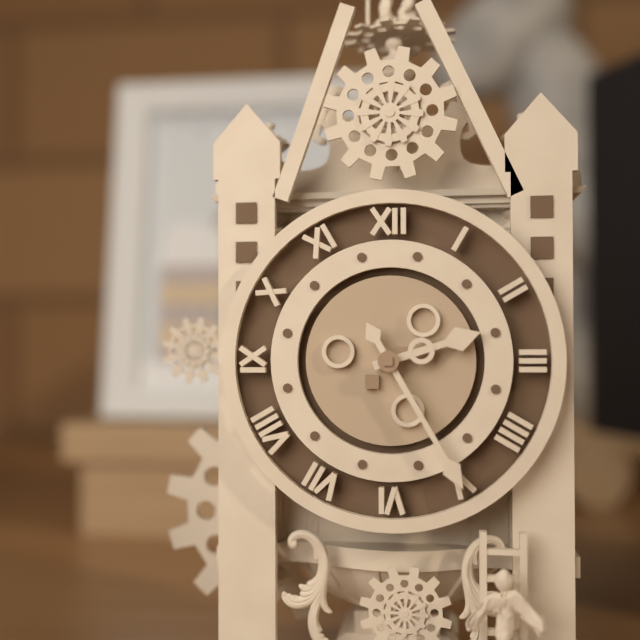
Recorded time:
2 h 25 min
